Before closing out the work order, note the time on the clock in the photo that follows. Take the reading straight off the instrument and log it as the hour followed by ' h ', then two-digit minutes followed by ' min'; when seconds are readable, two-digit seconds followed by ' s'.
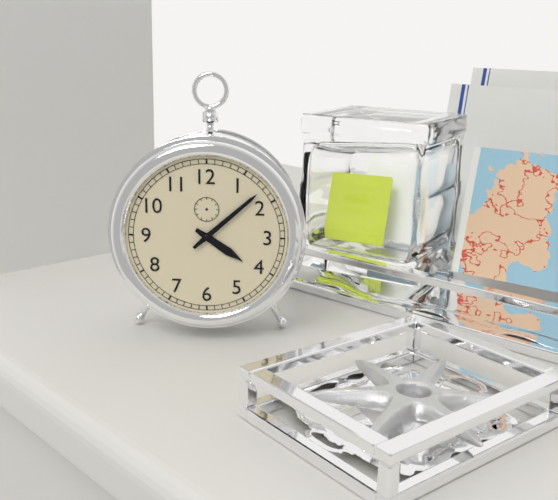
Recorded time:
4 h 08 min
